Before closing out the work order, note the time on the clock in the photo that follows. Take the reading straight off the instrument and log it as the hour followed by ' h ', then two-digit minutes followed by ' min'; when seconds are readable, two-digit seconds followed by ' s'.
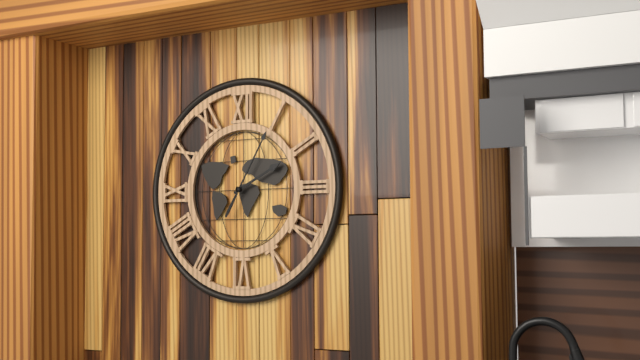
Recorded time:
2 h 05 min
